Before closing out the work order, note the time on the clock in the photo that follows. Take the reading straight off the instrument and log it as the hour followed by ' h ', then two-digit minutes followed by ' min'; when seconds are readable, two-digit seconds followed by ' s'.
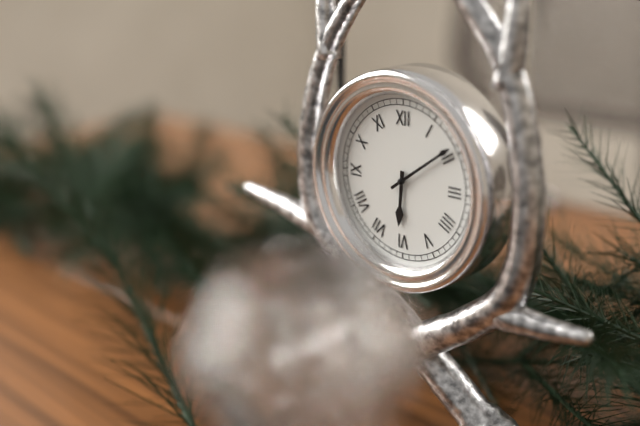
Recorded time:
6 h 09 min
